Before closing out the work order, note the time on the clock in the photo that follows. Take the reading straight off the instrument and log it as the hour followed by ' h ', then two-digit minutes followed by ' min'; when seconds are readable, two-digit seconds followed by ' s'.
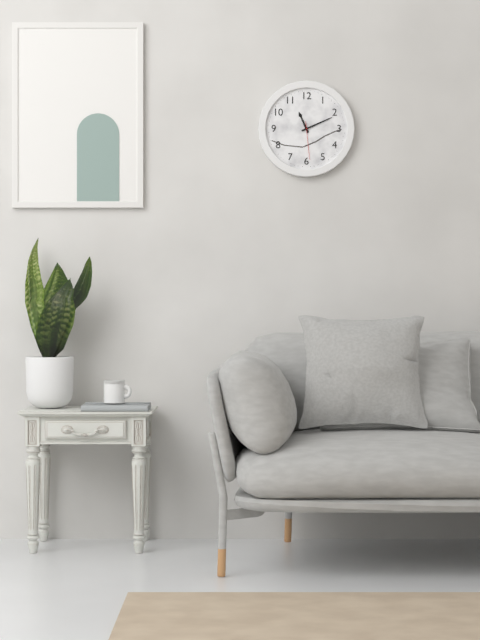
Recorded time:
11 h 11 min
